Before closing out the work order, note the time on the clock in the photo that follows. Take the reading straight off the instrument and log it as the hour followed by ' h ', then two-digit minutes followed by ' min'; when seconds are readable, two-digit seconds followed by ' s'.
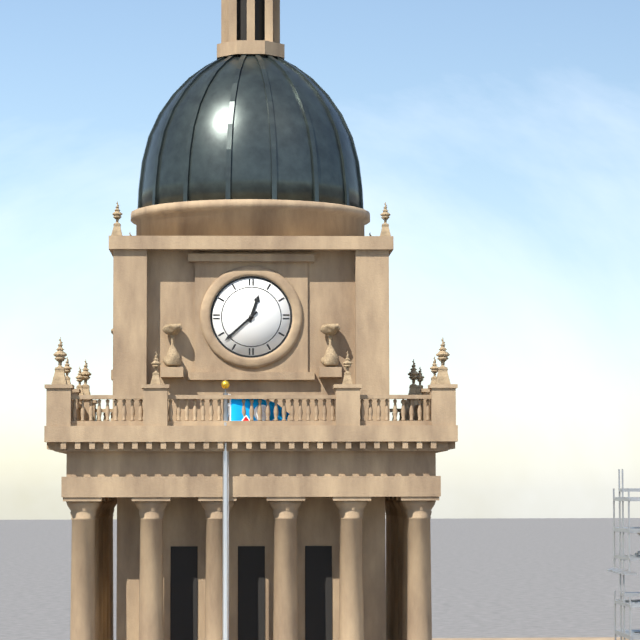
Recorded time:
12 h 38 min
